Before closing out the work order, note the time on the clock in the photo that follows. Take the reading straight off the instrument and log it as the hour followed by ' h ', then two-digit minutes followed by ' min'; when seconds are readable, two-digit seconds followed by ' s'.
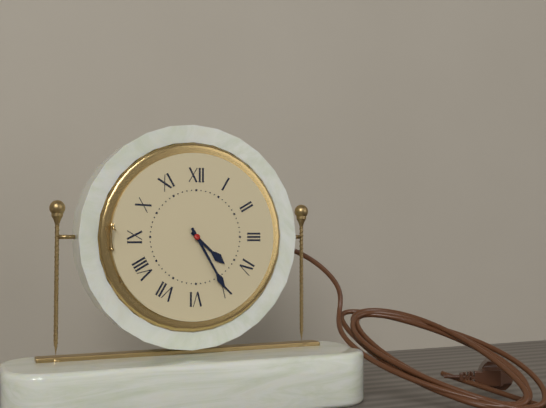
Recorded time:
4 h 25 min
